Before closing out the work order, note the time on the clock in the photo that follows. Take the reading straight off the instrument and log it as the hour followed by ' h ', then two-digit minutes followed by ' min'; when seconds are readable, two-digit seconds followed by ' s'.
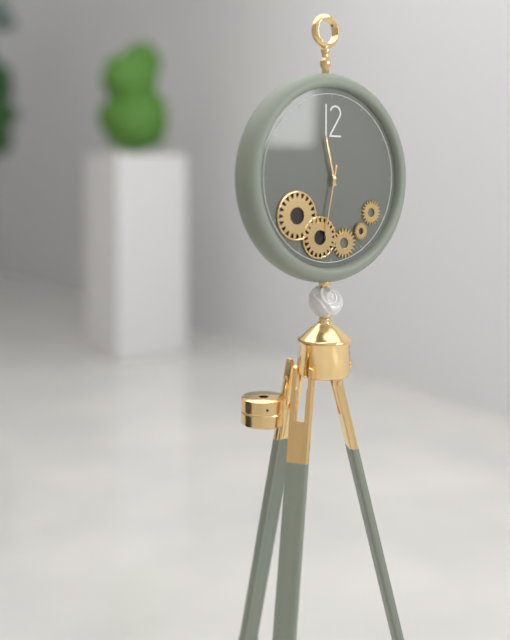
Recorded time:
11 h 32 min
